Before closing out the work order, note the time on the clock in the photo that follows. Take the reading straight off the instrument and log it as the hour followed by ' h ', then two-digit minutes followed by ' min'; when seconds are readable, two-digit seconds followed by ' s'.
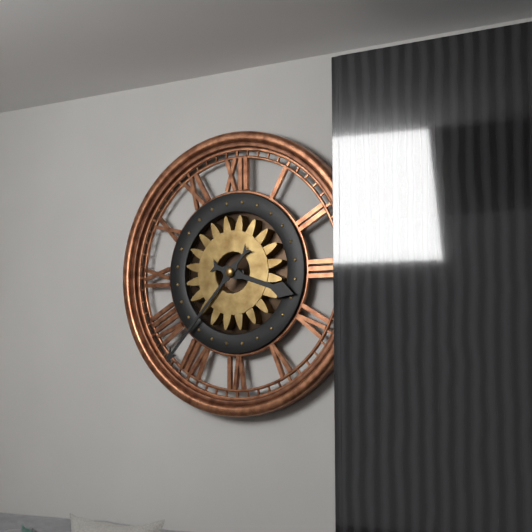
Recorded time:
3 h 37 min
